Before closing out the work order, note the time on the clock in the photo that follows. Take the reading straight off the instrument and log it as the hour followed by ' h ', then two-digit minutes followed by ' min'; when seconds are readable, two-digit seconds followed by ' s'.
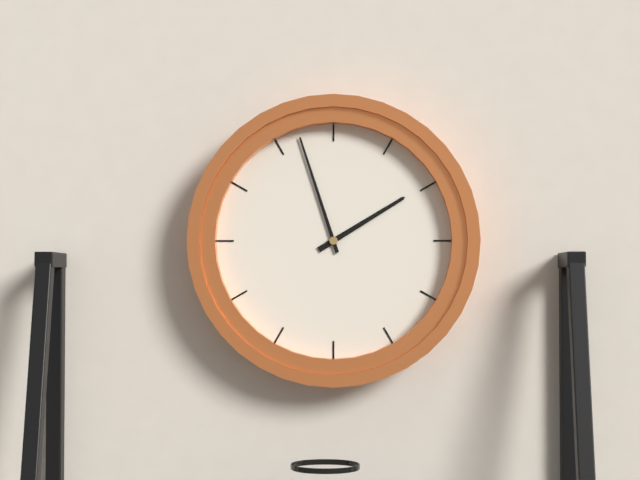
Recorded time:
1 h 57 min
